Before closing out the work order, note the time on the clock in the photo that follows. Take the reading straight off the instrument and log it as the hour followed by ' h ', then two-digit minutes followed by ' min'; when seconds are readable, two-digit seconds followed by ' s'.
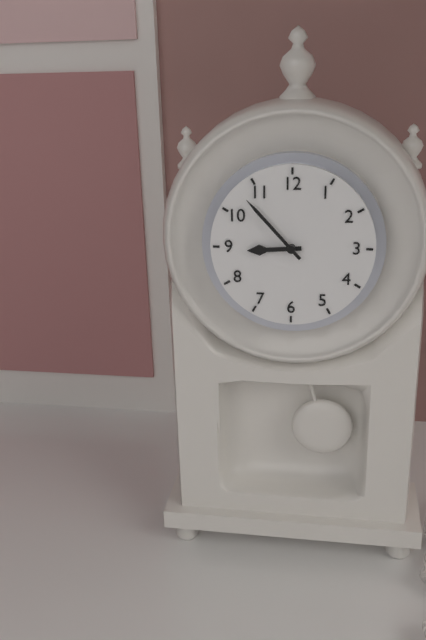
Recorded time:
8 h 53 min
